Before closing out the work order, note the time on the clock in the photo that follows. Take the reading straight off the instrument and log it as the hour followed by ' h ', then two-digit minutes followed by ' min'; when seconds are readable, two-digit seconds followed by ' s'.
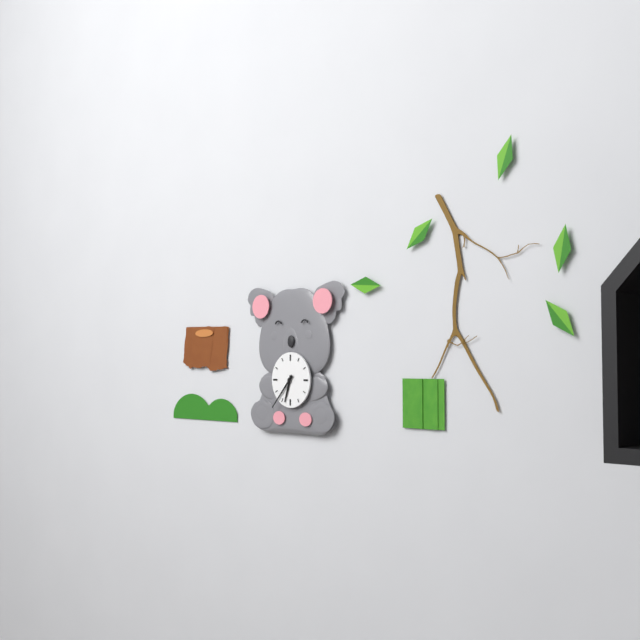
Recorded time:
6 h 37 min
